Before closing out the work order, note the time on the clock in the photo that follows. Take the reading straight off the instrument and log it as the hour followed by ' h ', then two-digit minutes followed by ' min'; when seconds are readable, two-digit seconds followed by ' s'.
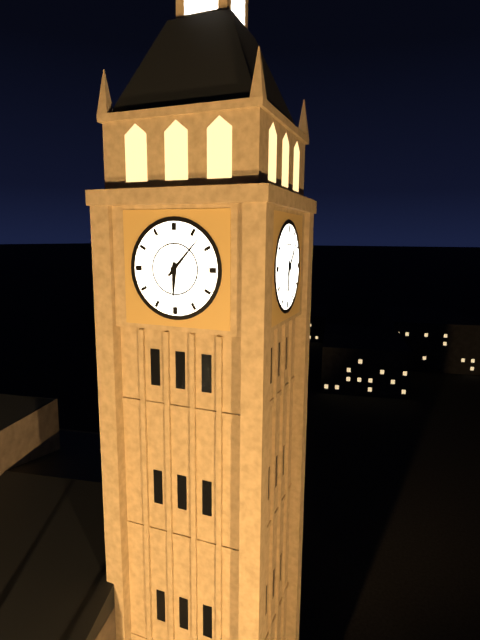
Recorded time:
6 h 07 min
